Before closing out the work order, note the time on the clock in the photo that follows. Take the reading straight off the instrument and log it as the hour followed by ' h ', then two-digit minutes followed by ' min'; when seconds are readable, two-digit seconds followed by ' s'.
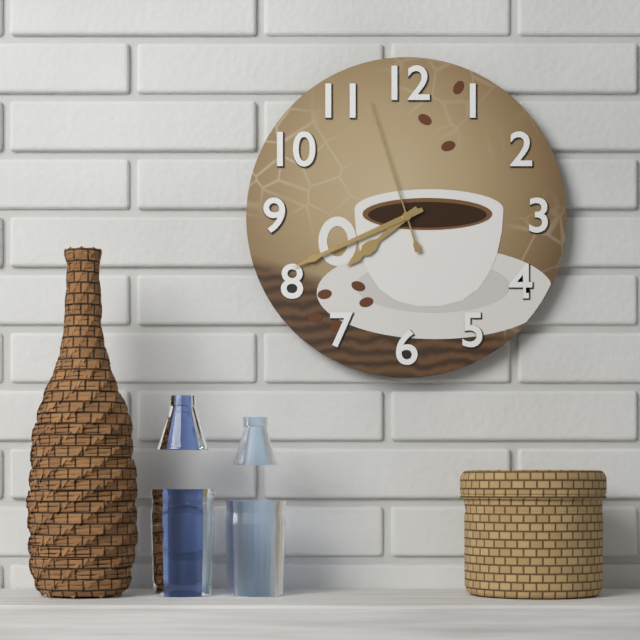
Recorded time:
7 h 41 min 57 s
